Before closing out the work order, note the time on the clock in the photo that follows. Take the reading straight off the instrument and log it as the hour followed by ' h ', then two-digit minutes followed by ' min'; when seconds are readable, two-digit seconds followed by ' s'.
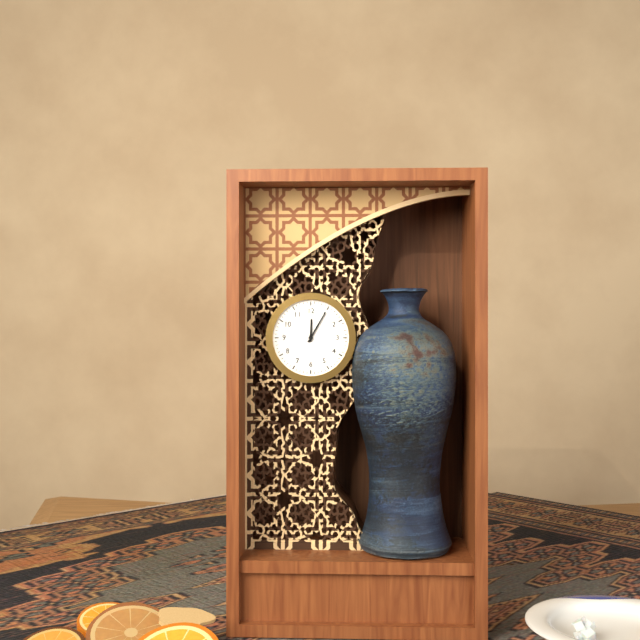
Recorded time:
12 h 05 min
